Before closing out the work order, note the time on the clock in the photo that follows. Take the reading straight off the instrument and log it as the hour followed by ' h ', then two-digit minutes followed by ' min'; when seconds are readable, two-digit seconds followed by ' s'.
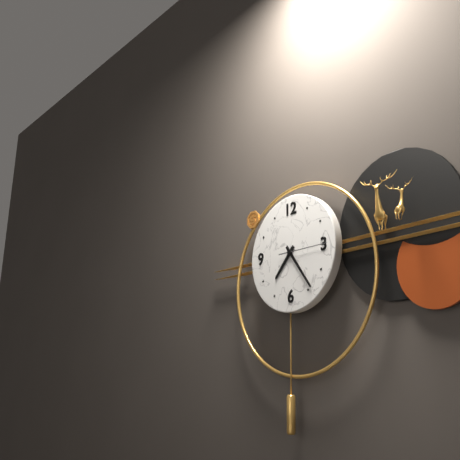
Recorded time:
7 h 24 min
